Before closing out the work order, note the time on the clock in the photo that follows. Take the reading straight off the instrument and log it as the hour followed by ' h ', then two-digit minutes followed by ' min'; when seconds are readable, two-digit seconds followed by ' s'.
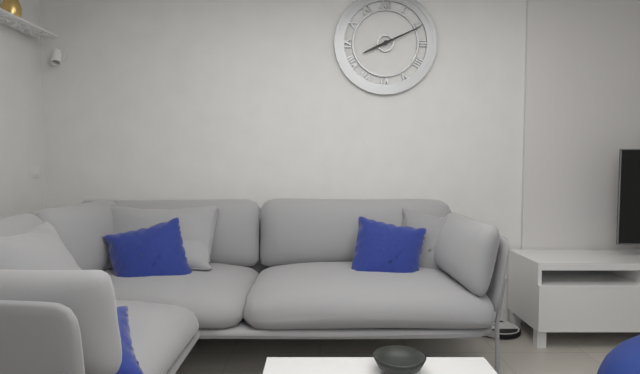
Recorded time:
8 h 11 min
